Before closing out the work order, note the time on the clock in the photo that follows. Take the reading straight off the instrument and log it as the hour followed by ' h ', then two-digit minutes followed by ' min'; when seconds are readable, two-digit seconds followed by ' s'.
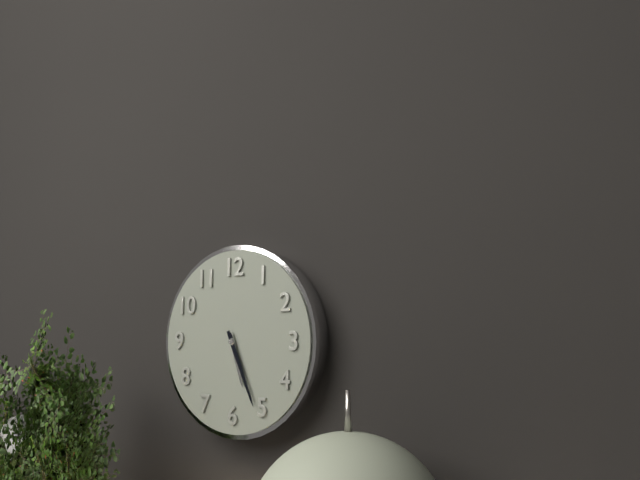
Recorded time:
5 h 26 min
